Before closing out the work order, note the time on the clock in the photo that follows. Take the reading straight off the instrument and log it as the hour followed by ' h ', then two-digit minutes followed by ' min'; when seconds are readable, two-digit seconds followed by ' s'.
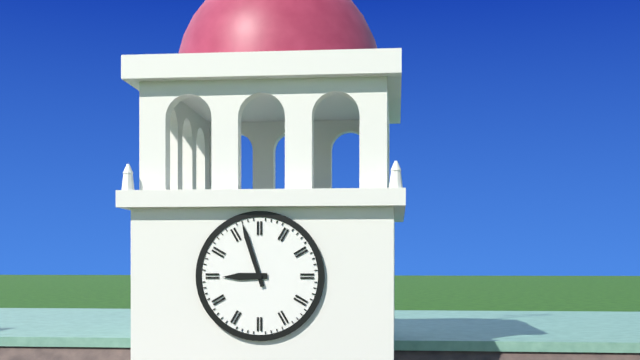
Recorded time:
8 h 57 min
